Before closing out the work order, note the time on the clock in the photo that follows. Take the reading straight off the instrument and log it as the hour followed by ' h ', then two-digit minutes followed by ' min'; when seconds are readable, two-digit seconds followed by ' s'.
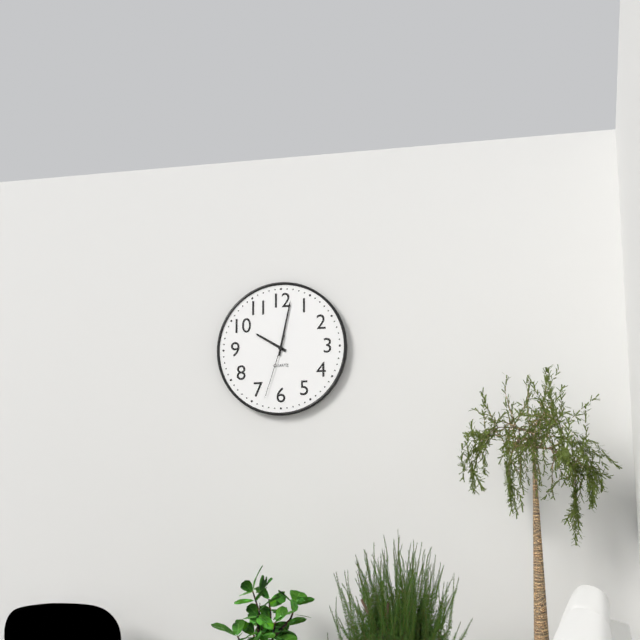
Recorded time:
10 h 02 min 33 s
